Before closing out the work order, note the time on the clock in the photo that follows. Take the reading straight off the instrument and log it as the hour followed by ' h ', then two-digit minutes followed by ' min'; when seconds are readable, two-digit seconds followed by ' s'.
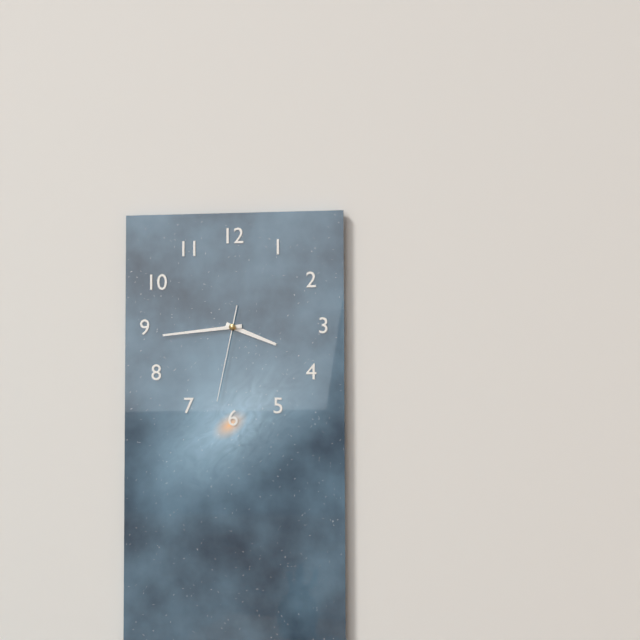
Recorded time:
3 h 44 min 32 s
